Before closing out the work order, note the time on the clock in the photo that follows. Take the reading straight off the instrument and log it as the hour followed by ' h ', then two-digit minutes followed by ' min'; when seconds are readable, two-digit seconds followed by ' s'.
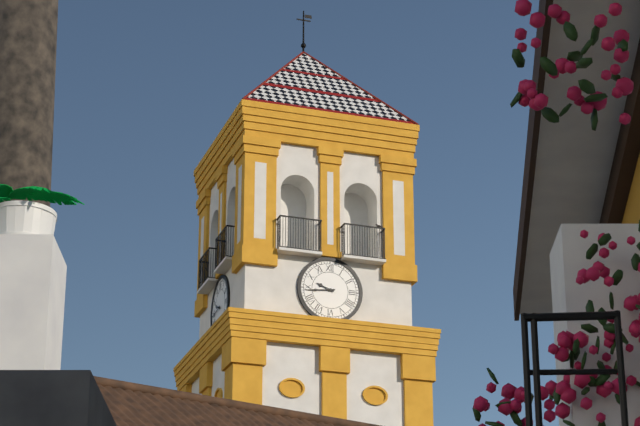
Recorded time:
9 h 44 min
